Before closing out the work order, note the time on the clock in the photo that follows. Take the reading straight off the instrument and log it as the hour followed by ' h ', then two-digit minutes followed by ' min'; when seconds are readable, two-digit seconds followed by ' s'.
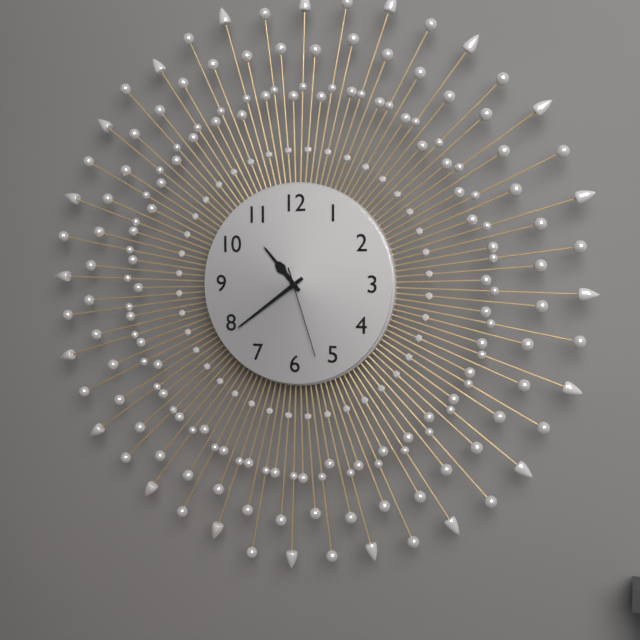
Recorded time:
10 h 39 min 27 s
